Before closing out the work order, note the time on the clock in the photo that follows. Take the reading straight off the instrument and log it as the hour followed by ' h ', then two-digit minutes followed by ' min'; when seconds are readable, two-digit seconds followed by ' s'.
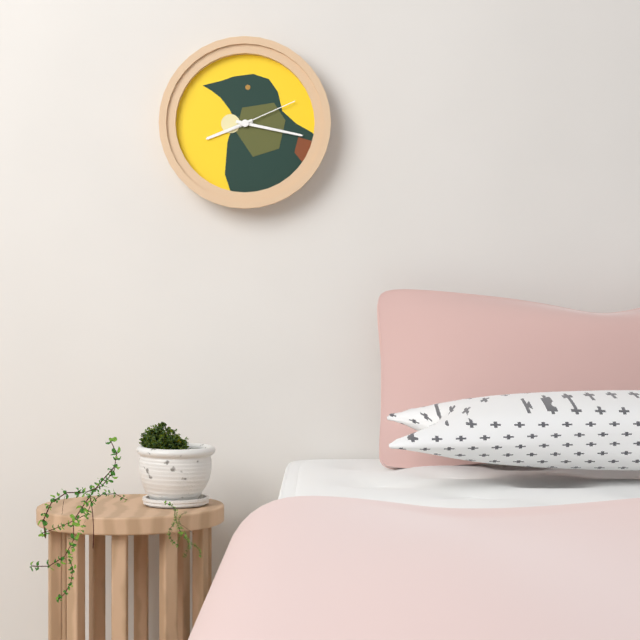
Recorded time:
8 h 17 min 11 s
